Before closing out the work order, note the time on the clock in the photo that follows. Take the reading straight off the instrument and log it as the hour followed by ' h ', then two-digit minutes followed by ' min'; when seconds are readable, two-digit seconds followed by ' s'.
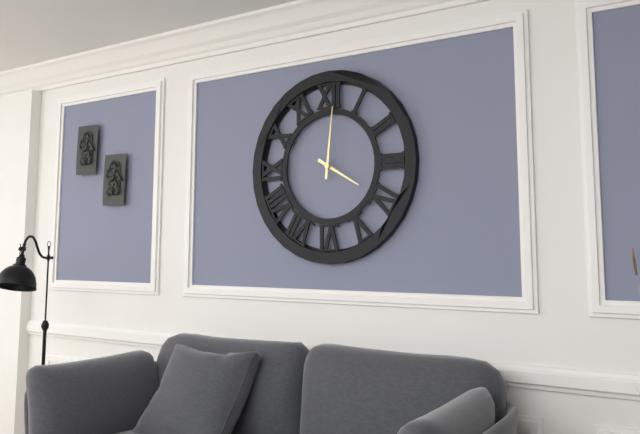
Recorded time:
4 h 01 min
